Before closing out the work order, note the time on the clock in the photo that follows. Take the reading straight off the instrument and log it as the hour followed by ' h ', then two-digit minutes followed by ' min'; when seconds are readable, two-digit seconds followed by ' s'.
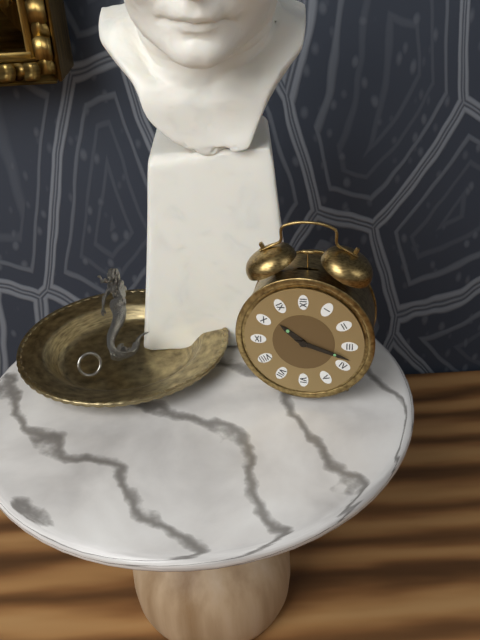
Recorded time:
10 h 18 min
